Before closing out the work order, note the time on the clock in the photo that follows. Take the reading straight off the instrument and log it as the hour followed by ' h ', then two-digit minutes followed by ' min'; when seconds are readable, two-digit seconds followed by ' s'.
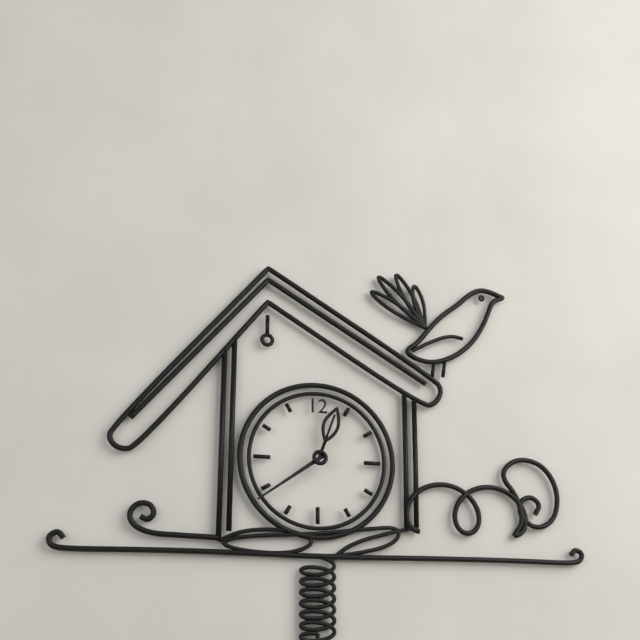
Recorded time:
12 h 39 min
